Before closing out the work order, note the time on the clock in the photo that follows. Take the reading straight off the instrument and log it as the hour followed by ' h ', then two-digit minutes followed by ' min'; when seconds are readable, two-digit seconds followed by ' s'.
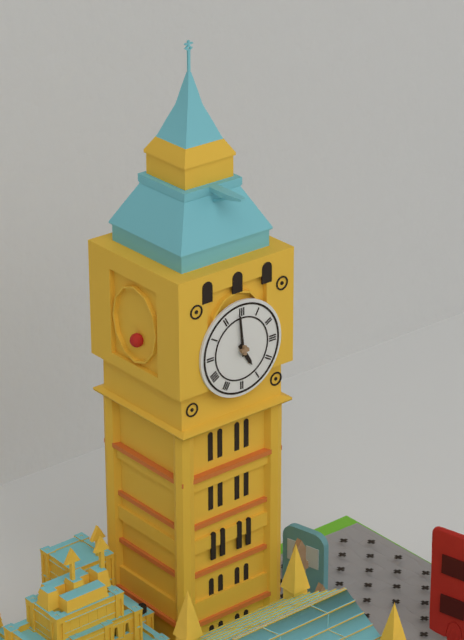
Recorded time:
4 h 59 min
